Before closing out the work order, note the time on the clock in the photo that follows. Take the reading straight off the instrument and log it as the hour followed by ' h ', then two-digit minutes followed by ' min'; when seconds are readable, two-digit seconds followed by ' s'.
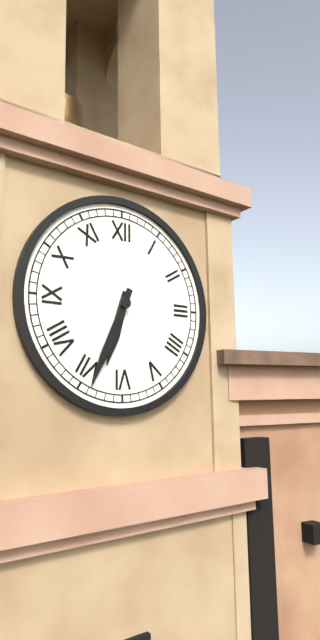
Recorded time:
6 h 34 min
